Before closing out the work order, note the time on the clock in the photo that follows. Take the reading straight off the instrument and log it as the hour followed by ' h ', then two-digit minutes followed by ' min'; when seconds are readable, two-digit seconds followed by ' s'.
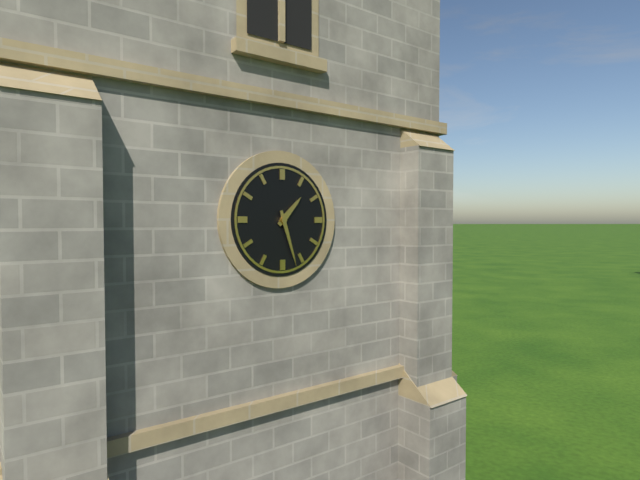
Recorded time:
1 h 27 min
